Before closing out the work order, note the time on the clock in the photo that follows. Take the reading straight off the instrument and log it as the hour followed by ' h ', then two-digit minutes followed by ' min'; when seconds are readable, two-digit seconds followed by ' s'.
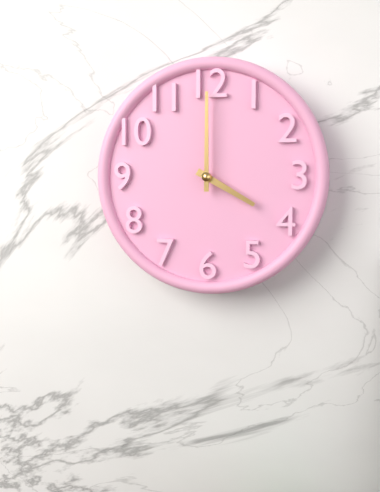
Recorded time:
4 h 00 min
